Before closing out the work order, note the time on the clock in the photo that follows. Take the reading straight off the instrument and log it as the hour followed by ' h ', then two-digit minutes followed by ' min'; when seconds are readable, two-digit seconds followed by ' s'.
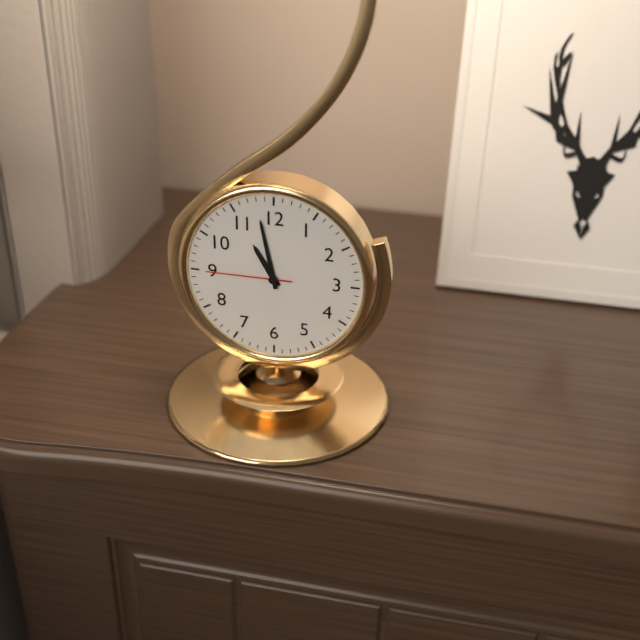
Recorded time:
10 h 58 min 45 s
